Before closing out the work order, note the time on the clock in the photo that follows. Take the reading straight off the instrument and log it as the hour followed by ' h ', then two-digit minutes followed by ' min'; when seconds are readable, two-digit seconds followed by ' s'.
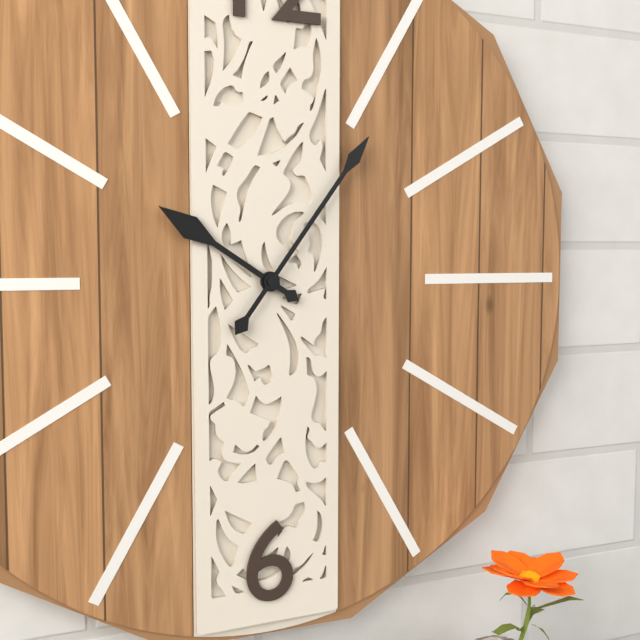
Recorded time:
10 h 06 min
